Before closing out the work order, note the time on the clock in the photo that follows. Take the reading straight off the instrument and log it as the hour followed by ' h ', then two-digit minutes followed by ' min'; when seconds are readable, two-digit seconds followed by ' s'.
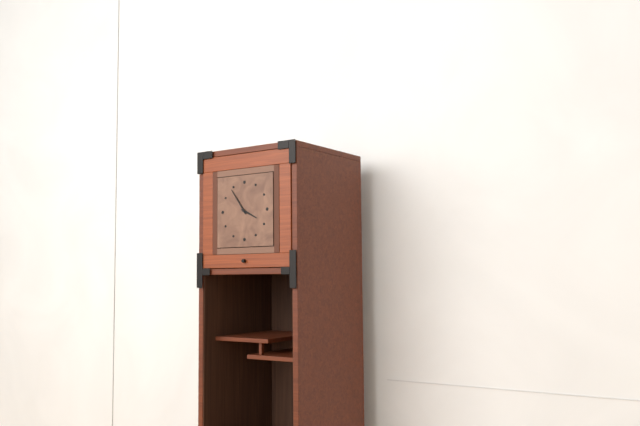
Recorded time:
3 h 54 min
